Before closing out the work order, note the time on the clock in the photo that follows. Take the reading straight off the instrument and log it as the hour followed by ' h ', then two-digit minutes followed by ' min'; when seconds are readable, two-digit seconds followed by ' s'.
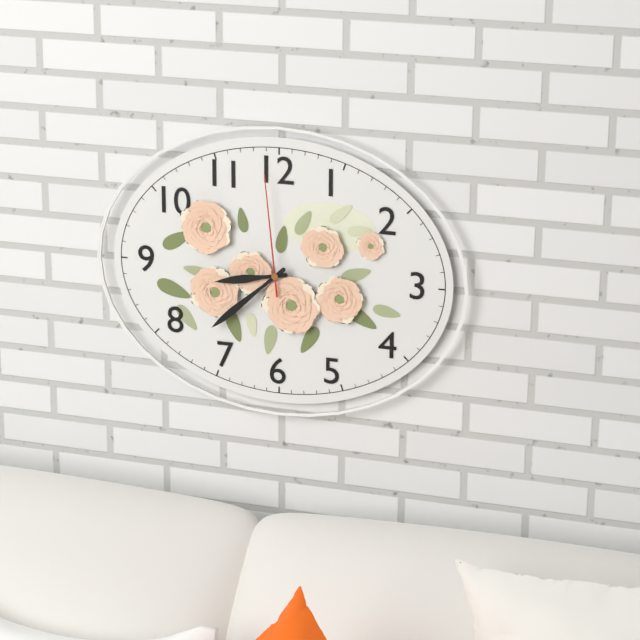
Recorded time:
8 h 38 min 59 s
